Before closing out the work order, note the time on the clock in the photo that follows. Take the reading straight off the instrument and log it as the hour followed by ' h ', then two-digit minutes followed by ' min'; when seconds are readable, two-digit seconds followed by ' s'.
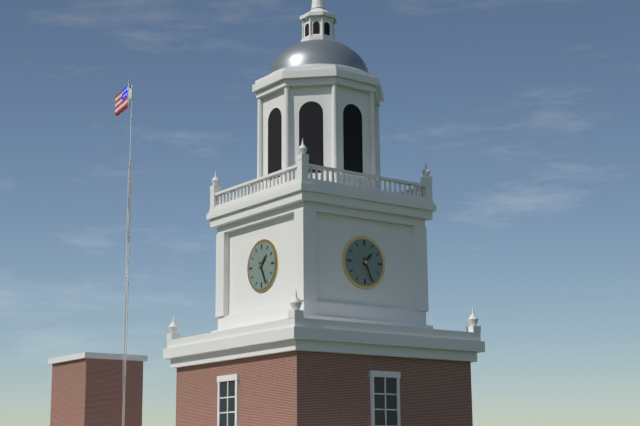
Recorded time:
1 h 26 min
